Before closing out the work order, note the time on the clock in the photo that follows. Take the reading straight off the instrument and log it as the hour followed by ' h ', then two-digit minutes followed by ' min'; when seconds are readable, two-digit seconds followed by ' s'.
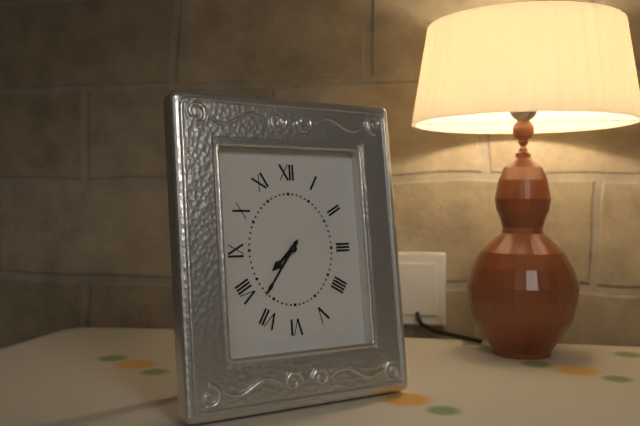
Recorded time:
7 h 36 min
